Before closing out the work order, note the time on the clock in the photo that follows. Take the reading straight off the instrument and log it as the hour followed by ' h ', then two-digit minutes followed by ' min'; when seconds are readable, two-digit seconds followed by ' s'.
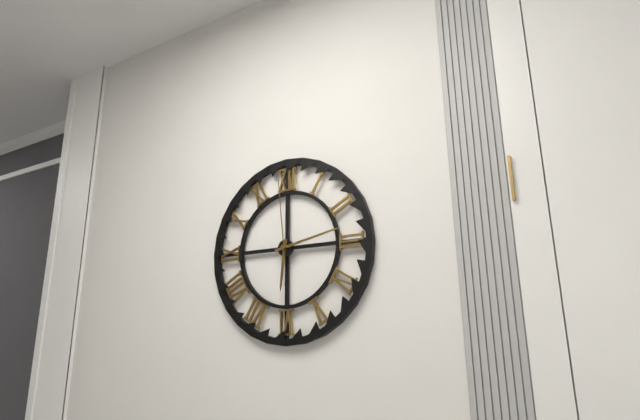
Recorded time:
6 h 13 min 59 s
